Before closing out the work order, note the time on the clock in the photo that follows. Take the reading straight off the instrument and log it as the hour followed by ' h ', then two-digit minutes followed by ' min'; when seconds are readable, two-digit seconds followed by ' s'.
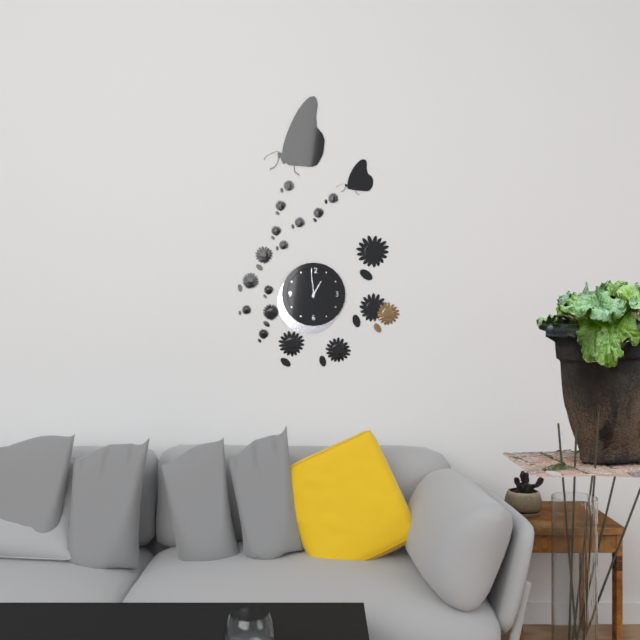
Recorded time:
12 h 59 min
